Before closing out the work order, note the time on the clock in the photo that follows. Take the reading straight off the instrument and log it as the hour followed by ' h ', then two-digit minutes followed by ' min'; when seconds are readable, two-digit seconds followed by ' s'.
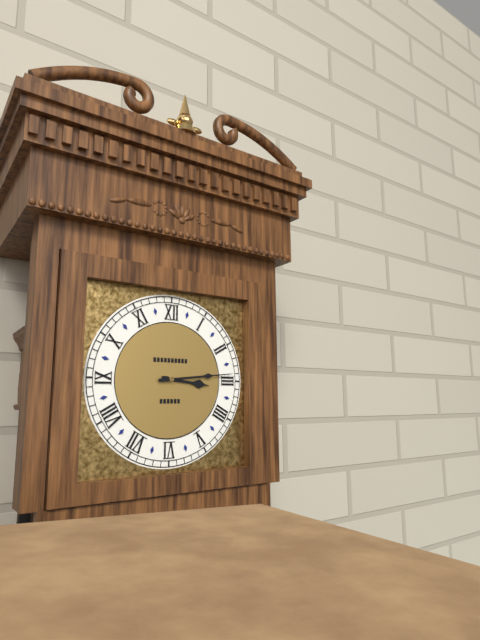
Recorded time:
3 h 14 min
